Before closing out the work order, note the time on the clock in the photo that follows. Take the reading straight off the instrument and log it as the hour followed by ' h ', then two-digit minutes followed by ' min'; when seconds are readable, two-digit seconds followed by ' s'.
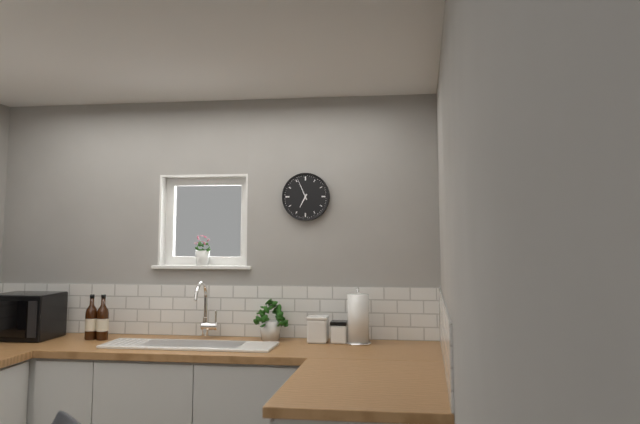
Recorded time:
6 h 56 min
